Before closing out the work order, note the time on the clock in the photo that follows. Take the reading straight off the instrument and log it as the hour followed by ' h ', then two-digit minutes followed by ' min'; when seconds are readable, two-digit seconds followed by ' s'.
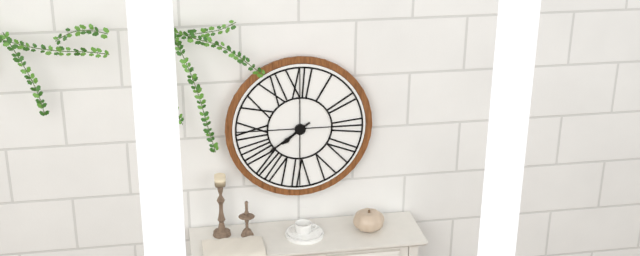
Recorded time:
7 h 39 min
